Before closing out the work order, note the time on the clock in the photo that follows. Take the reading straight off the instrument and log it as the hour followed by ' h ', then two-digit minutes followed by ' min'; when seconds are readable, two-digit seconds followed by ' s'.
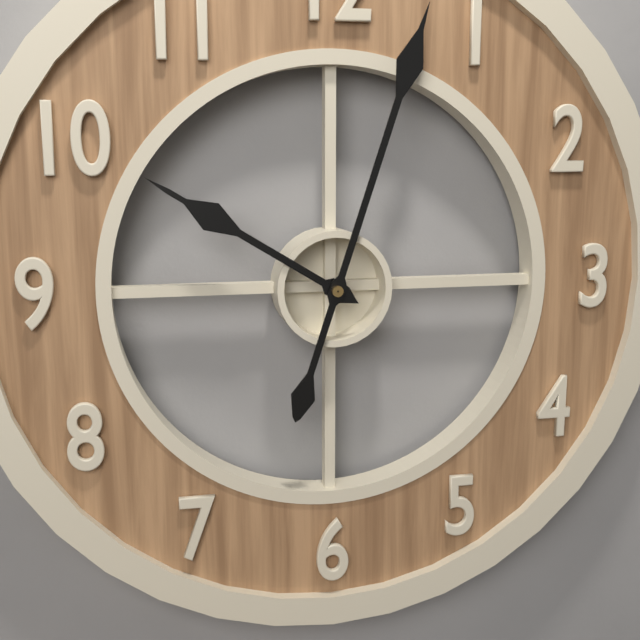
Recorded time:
10 h 03 min
